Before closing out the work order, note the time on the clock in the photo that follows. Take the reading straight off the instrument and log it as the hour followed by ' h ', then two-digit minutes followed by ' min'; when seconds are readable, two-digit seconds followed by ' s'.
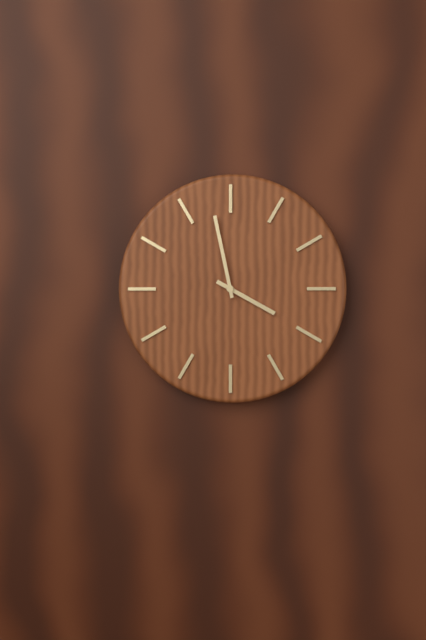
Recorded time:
3 h 58 min
